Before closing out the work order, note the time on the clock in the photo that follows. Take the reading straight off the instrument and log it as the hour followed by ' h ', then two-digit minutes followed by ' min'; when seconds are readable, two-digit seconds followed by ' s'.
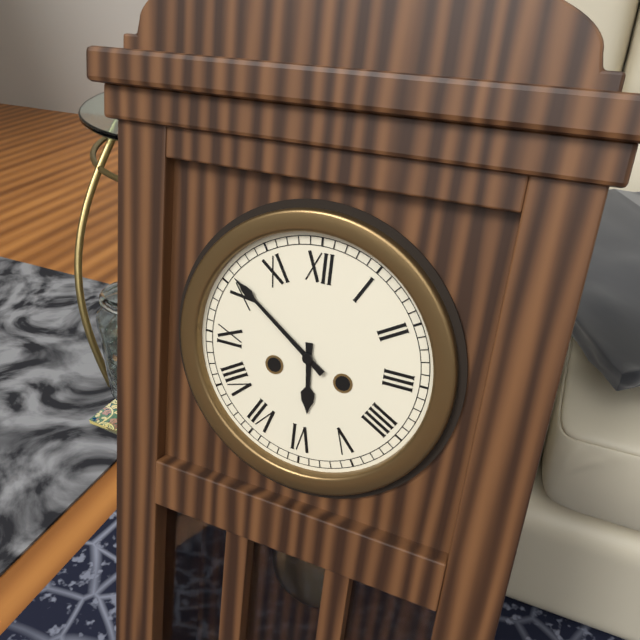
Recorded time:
5 h 51 min
